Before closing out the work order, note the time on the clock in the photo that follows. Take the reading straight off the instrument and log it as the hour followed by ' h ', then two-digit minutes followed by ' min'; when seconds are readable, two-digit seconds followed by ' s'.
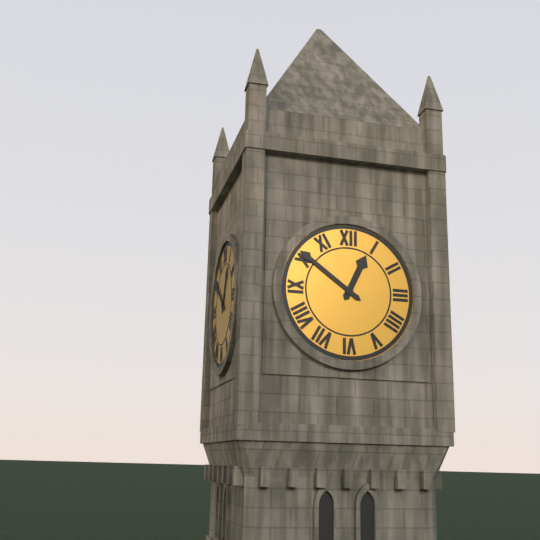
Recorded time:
12 h 51 min
